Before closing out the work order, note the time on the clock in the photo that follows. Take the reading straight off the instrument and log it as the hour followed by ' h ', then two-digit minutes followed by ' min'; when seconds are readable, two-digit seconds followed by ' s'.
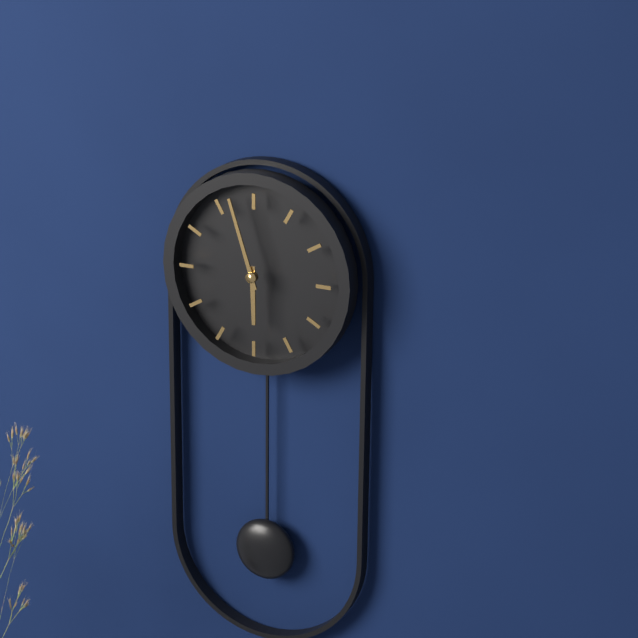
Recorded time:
5 h 57 min
